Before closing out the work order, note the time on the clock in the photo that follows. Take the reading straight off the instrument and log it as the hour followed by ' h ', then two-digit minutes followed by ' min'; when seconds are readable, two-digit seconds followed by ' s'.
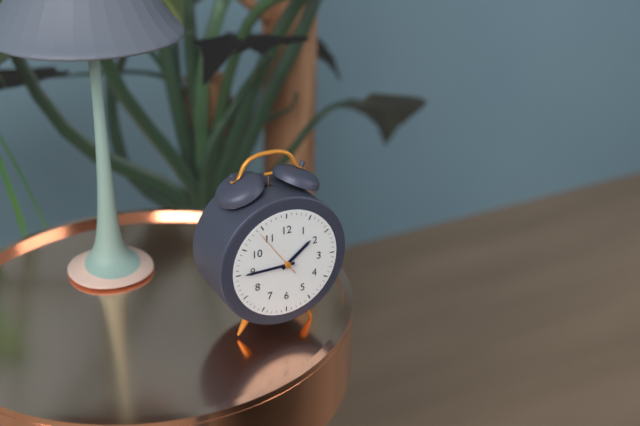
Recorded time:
1 h 45 min 54 s
